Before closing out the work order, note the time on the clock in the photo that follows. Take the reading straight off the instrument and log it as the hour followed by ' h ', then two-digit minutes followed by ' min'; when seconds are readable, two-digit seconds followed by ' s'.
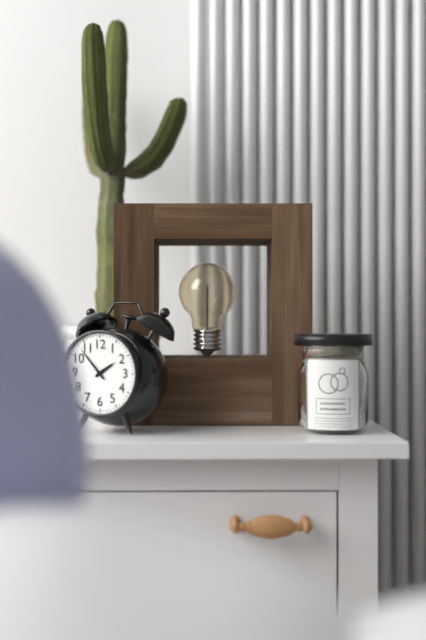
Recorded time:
1 h 53 min
